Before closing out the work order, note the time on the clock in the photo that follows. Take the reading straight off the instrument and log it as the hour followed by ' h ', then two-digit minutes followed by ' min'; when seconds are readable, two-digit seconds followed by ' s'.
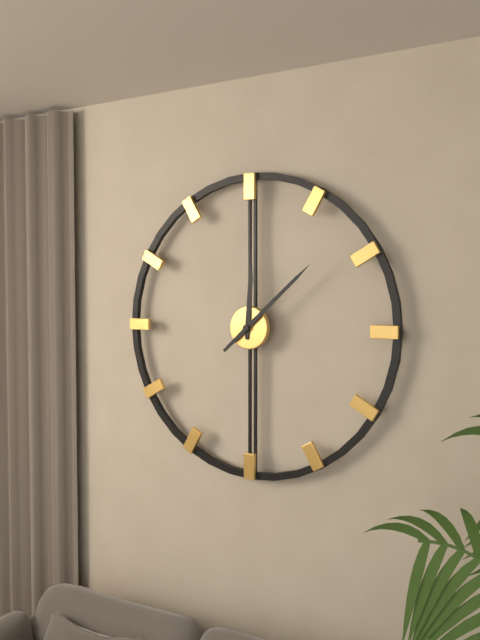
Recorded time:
12 h 08 min
